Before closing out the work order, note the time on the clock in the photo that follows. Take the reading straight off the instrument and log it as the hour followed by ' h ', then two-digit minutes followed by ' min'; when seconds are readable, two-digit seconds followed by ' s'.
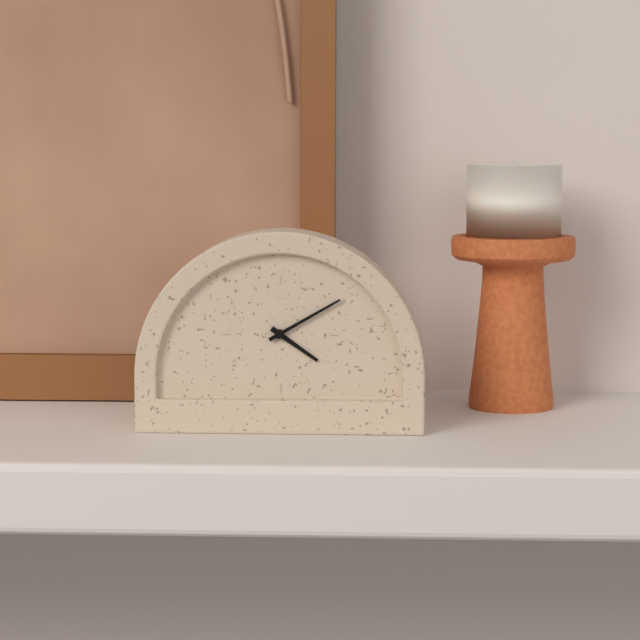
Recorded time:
4 h 10 min
